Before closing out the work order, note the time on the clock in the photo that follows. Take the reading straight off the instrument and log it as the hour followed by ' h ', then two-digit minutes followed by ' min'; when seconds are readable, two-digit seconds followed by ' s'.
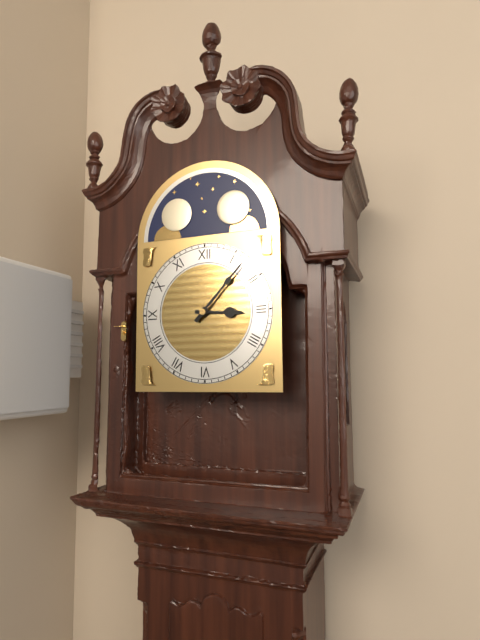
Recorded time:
3 h 07 min
